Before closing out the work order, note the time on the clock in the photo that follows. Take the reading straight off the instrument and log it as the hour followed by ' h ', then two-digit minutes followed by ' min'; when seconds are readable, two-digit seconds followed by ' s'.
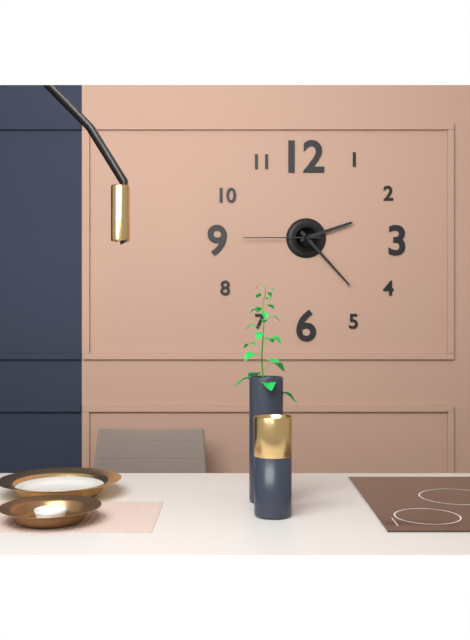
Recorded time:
2 h 23 min 45 s
